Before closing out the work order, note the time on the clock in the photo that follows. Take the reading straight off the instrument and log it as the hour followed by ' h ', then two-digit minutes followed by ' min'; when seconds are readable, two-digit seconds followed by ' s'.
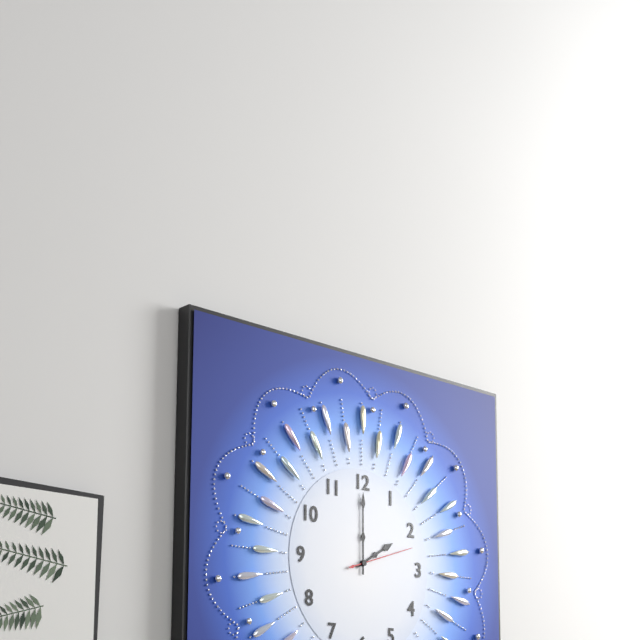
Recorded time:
2 h 00 min 12 s
